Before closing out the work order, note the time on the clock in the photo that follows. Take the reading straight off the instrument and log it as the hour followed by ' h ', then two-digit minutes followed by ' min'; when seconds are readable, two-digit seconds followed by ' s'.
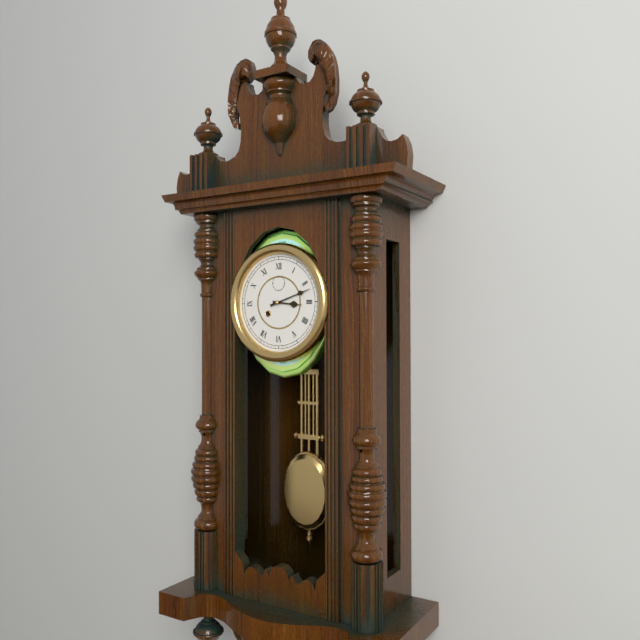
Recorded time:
3 h 12 min
